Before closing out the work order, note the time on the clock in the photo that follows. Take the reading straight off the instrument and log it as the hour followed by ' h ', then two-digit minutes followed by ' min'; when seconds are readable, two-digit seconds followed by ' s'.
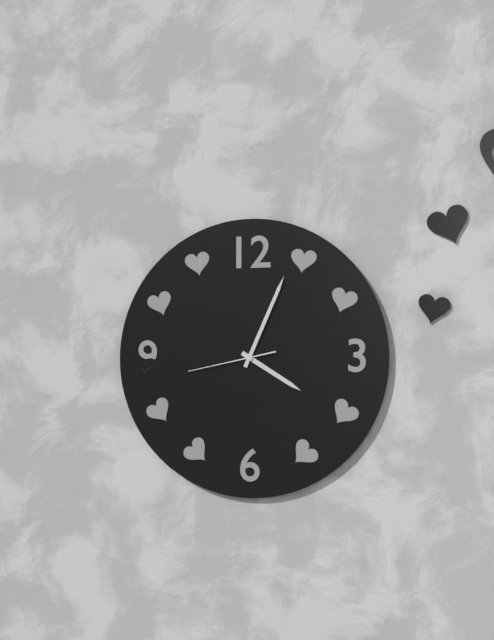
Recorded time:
4 h 04 min 43 s
